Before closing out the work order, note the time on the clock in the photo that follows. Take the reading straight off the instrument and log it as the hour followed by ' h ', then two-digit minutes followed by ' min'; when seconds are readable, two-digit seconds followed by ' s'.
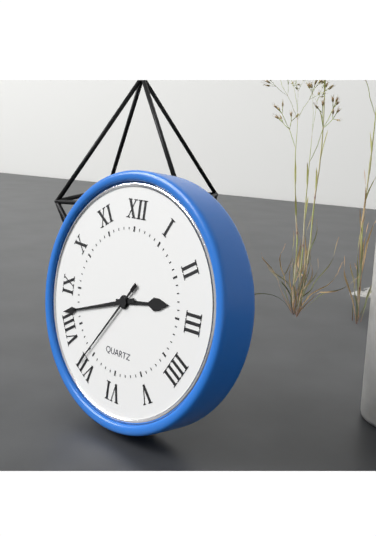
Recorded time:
2 h 42 min 36 s
